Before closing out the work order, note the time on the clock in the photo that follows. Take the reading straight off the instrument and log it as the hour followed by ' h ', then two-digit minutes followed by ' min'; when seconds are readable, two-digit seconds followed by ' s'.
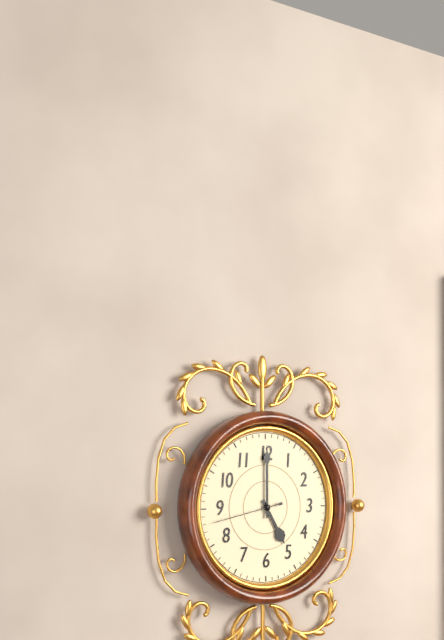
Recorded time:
5 h 00 min 43 s
